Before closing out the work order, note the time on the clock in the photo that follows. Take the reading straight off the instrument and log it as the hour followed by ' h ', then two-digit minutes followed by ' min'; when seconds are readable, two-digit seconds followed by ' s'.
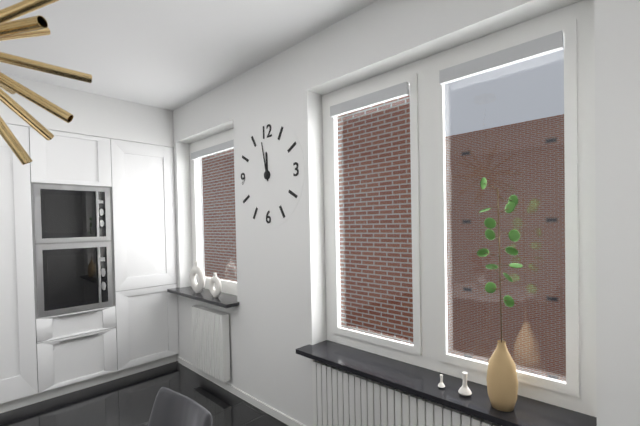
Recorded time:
11 h 58 min
